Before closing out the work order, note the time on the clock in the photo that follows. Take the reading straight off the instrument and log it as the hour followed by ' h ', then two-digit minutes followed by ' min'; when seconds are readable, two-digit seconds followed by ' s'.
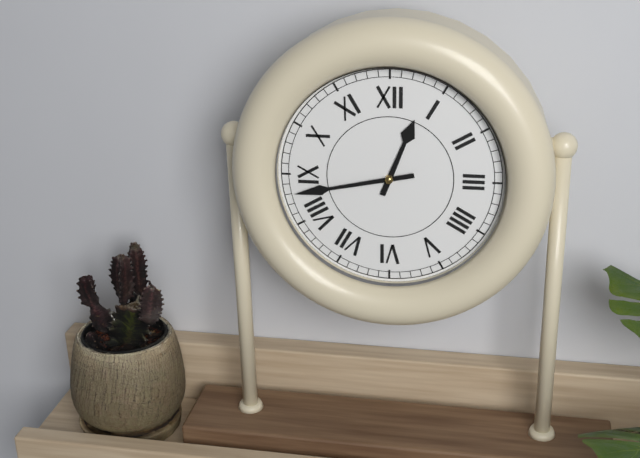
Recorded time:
12 h 43 min
